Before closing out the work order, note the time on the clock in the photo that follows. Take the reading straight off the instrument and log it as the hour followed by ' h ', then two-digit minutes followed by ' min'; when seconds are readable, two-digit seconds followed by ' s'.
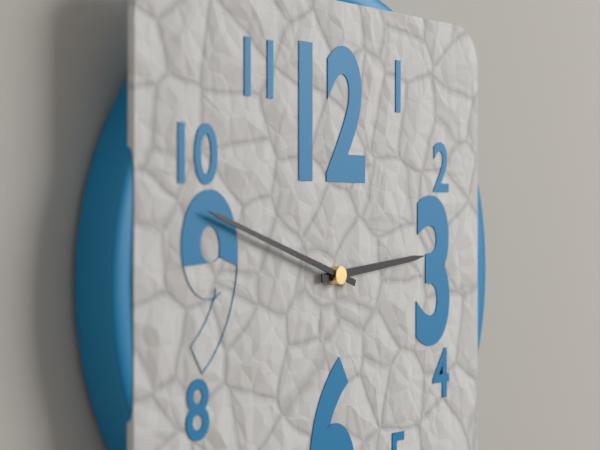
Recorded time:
2 h 48 min
